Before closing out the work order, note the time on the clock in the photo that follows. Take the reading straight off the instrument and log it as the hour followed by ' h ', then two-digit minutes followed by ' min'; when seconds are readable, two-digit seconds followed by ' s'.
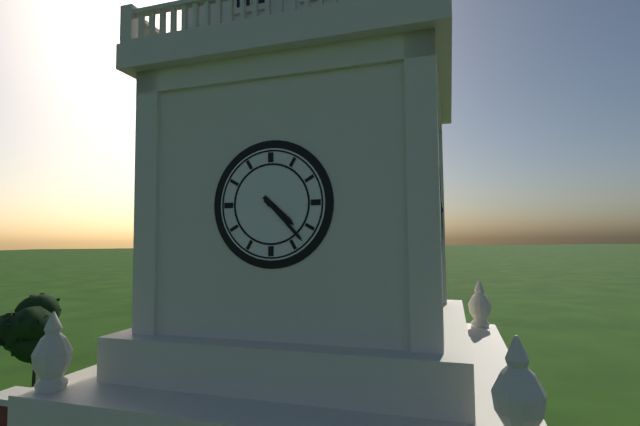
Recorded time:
4 h 23 min
